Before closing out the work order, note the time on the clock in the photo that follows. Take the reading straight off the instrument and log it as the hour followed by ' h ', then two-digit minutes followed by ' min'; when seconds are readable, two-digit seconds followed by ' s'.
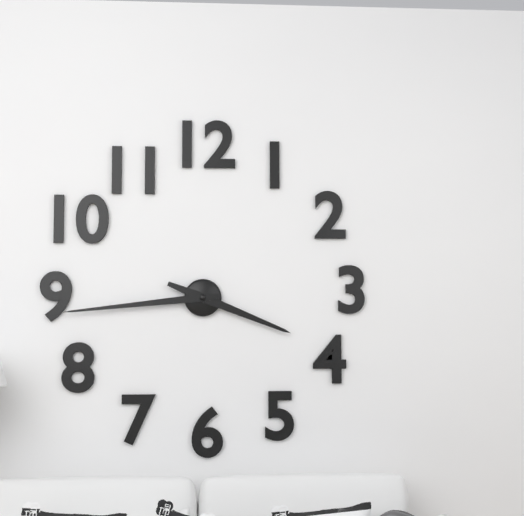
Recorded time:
3 h 44 min
